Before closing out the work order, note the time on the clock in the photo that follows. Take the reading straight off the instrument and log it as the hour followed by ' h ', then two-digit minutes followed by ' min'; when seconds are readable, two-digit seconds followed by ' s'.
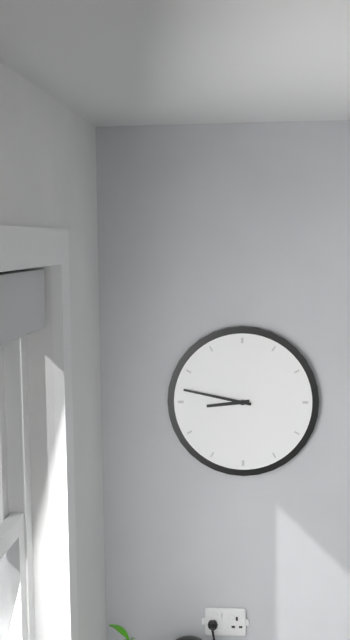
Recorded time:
8 h 47 min
